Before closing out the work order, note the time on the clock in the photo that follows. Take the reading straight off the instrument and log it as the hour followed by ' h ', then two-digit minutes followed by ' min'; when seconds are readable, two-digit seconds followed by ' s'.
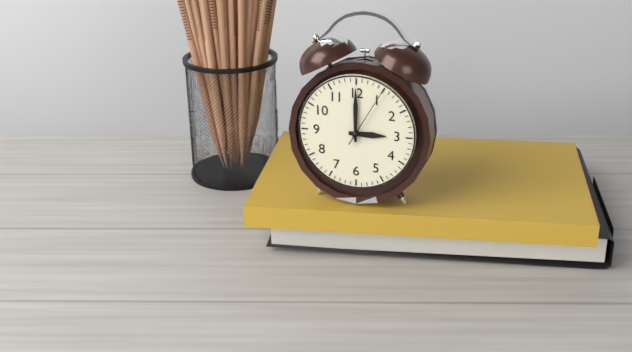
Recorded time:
3 h 00 min 05 s
